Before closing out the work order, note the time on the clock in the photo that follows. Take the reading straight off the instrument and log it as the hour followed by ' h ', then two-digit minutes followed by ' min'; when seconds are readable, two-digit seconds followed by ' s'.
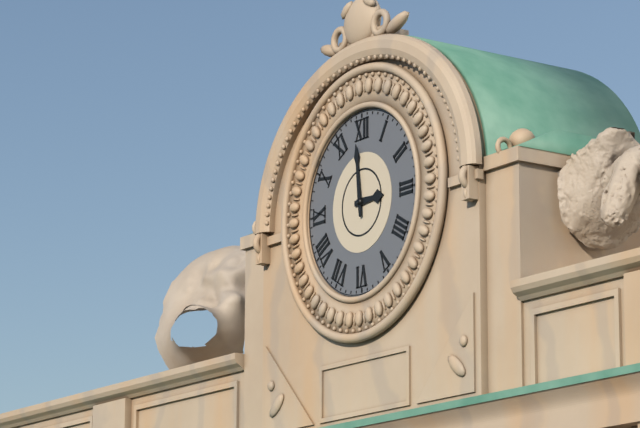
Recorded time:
2 h 59 min
